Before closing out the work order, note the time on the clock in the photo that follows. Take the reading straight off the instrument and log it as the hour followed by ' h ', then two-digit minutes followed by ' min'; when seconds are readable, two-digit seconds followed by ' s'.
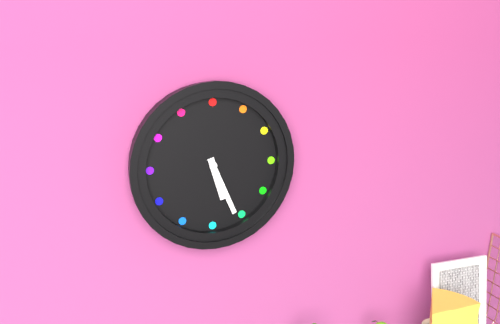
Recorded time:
5 h 26 min
